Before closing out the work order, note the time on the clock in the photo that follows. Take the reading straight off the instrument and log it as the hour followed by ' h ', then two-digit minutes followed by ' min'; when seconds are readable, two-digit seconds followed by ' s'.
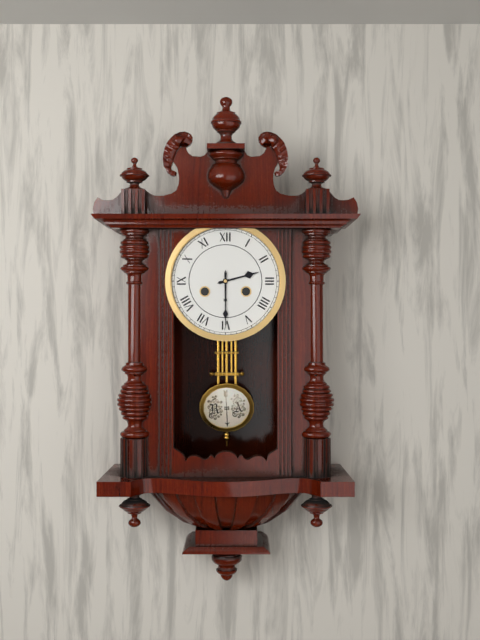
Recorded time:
2 h 30 min
